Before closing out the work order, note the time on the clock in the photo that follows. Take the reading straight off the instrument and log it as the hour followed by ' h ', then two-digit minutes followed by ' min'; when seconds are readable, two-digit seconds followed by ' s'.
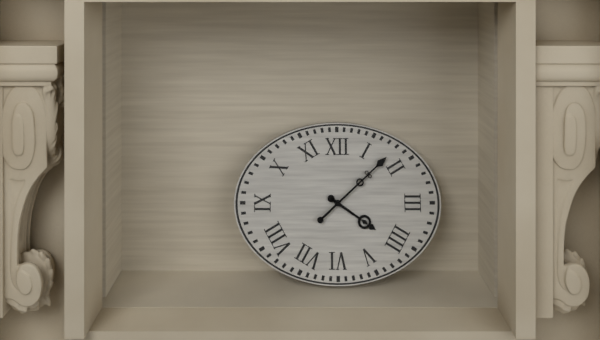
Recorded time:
4 h 08 min
